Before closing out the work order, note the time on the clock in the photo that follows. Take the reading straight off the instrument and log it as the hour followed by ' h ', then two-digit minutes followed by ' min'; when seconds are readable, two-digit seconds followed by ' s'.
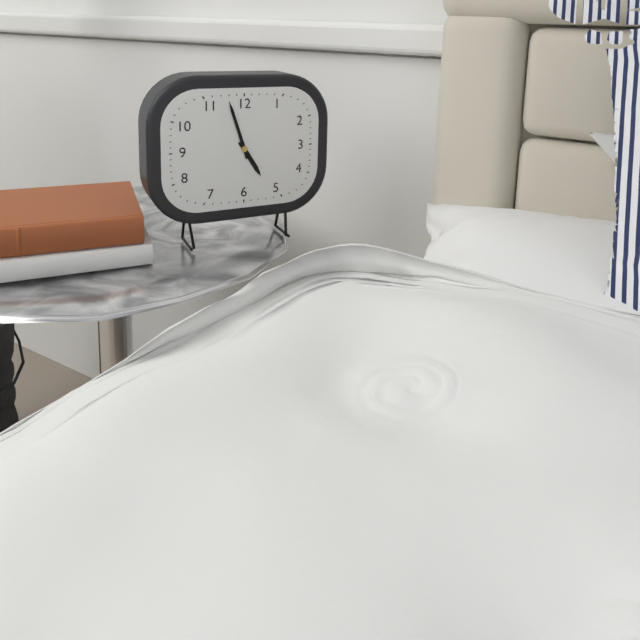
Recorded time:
4 h 57 min
